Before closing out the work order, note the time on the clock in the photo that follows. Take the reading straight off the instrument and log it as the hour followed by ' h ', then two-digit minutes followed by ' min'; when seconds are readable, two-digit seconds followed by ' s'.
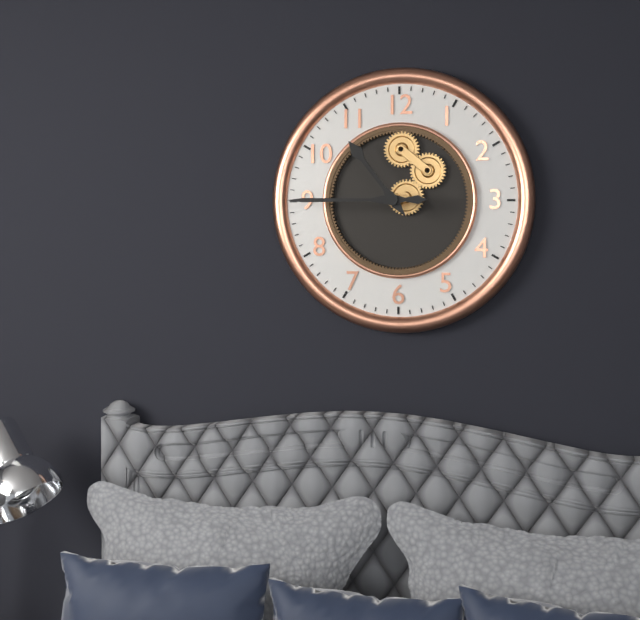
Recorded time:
10 h 45 min
